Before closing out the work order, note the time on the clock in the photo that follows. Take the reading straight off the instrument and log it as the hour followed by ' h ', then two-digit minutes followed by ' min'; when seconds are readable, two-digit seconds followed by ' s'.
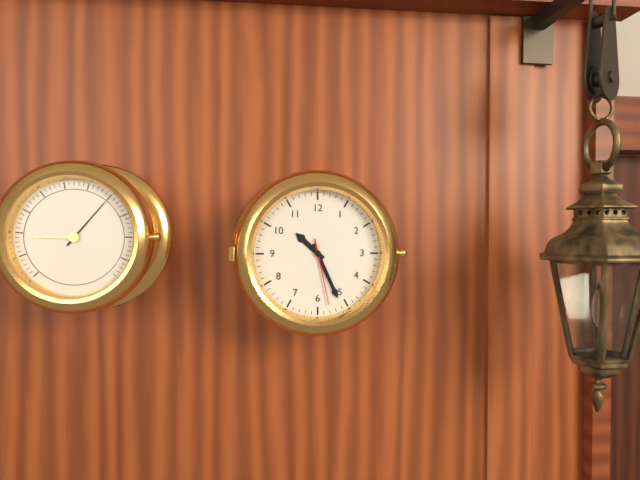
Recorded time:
10 h 26 min 28 s
